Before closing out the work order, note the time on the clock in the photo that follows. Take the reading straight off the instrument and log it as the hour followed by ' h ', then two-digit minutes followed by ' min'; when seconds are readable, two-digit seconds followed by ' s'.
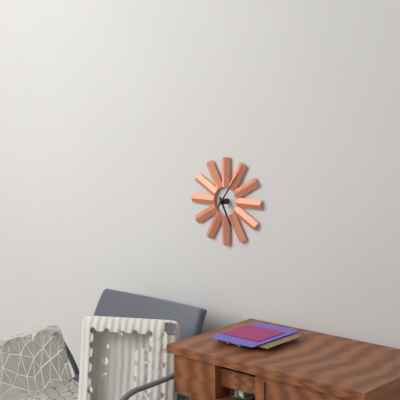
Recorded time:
5 h 06 min
